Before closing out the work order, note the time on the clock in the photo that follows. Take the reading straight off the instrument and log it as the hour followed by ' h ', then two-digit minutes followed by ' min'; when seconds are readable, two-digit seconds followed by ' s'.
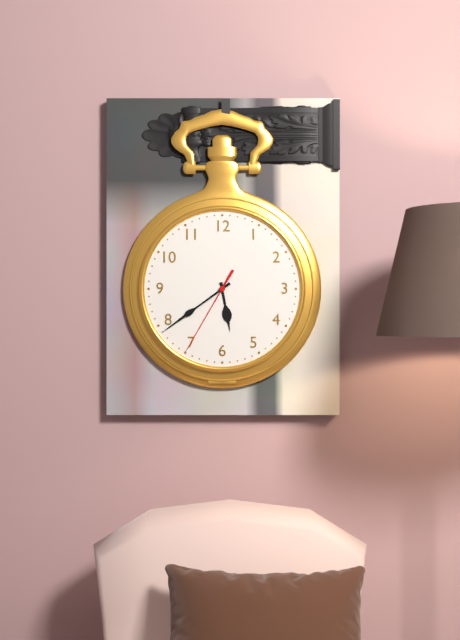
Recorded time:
5 h 39 min 35 s
